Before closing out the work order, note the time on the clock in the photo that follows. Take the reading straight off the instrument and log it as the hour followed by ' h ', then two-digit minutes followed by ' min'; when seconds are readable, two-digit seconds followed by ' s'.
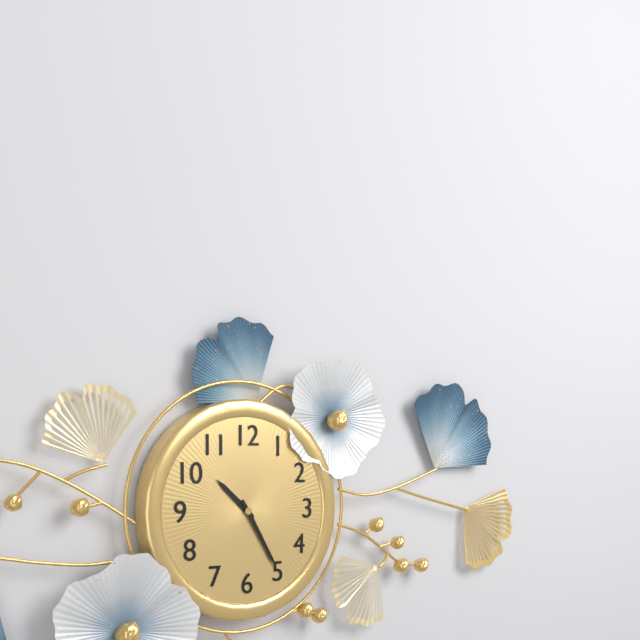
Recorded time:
10 h 25 min
